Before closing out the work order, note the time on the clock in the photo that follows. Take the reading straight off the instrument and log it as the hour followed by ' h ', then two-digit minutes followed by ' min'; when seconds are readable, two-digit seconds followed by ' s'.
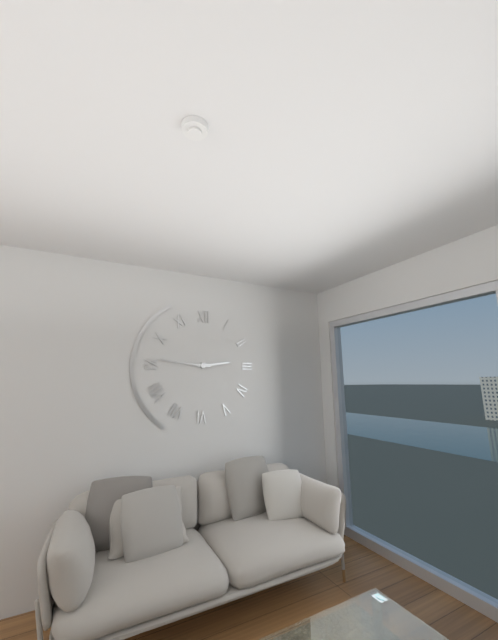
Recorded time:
2 h 46 min
